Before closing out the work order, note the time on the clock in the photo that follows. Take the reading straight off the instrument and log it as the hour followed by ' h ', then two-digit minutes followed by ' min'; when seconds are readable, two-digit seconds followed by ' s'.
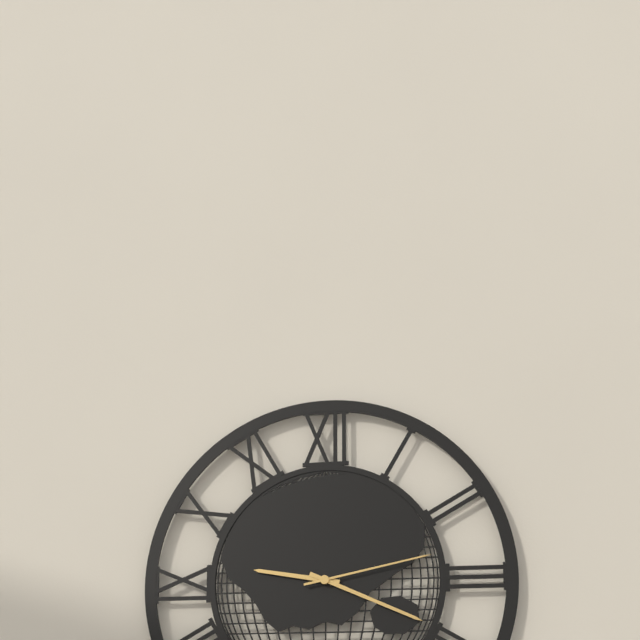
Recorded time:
9 h 19 min 13 s
